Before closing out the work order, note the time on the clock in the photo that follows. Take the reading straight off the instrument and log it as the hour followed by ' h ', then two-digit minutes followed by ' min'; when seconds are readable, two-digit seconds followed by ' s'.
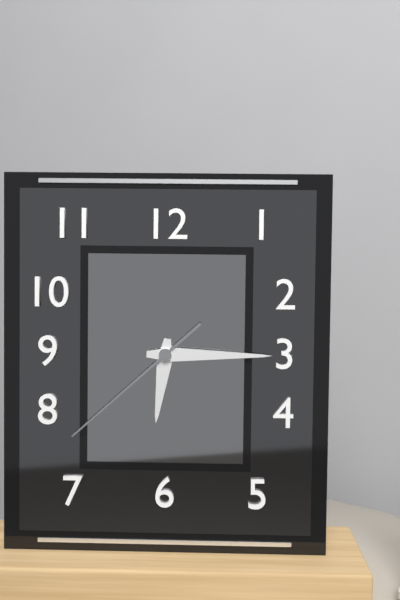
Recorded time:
6 h 15 min 38 s
